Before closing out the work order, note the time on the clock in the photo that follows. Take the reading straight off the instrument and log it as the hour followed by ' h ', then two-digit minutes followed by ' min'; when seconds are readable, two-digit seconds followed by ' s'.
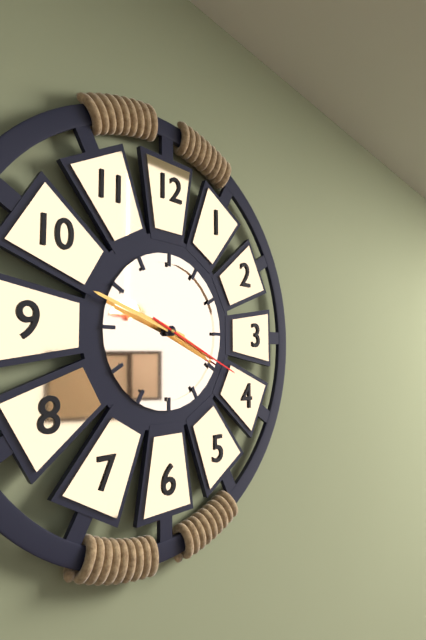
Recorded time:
3 h 48 min 19 s
